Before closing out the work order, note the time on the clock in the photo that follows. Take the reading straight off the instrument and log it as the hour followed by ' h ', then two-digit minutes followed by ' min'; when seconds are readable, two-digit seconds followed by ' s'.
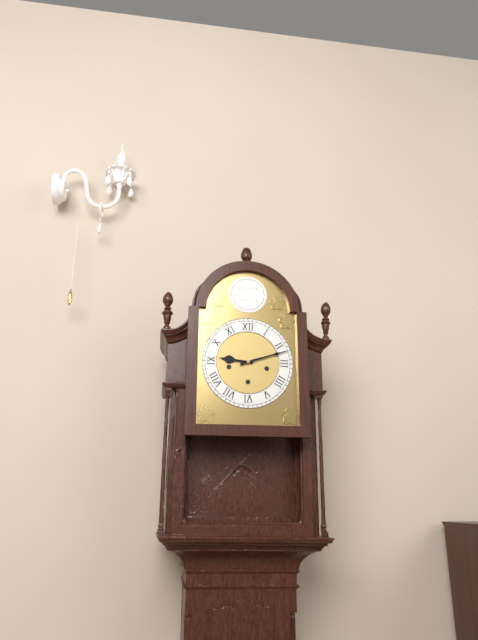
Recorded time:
9 h 12 min
